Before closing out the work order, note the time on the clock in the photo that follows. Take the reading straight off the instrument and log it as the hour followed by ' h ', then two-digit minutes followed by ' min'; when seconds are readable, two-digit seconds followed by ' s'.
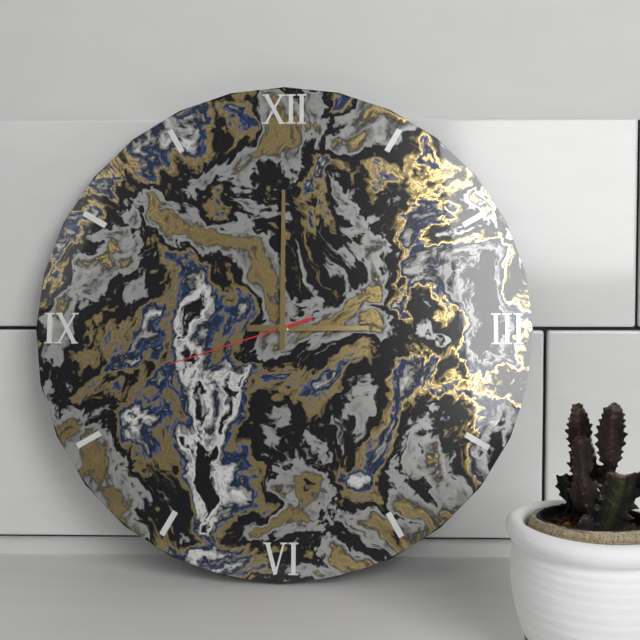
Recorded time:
3 h 00 min 42 s
